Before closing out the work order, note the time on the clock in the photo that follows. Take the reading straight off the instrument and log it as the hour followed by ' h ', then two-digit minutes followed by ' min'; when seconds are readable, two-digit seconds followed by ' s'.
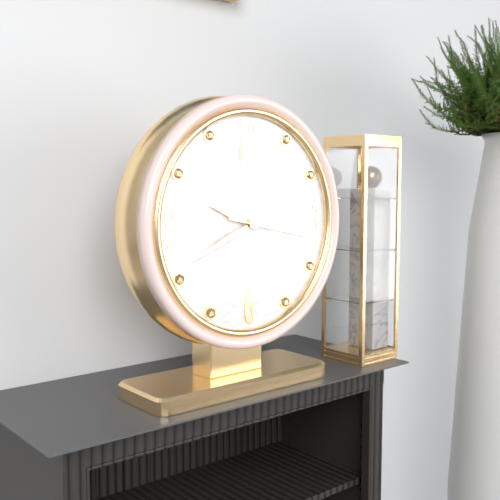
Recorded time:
9 h 41 min 17 s
